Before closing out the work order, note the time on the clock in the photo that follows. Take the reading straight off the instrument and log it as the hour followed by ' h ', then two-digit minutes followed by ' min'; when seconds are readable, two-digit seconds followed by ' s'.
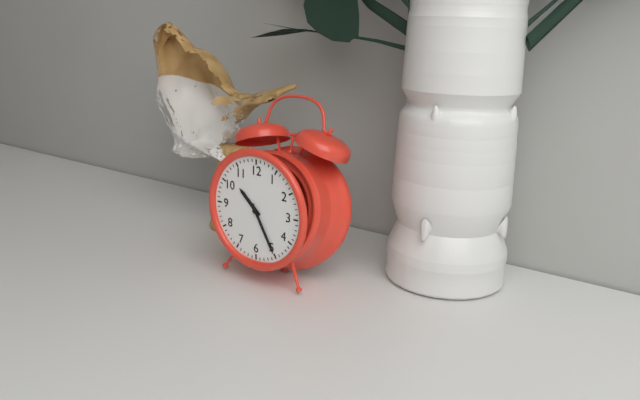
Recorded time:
10 h 25 min
